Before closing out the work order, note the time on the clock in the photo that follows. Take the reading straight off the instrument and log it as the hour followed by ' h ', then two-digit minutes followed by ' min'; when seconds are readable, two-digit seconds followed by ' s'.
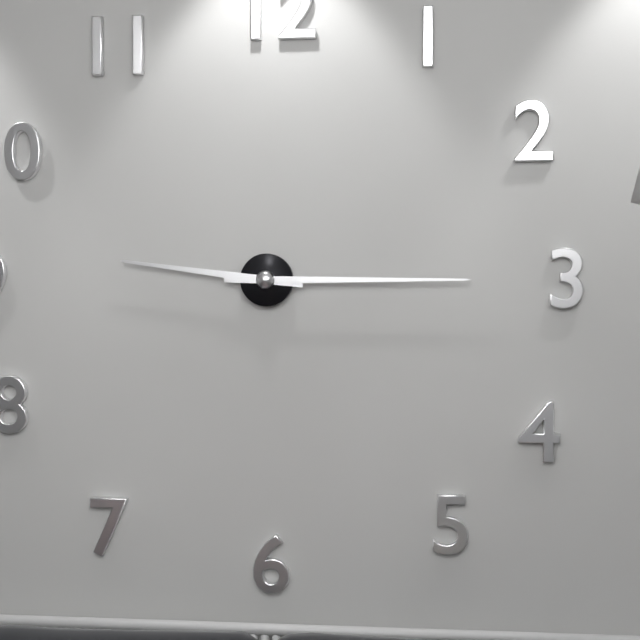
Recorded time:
9 h 15 min
